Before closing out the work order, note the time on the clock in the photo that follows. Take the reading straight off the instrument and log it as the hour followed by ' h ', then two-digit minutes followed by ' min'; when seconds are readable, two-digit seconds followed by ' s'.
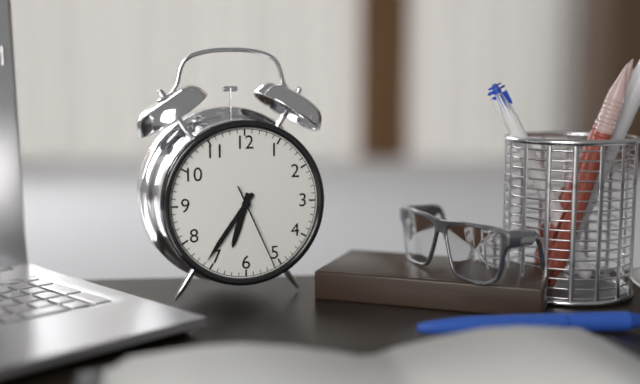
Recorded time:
6 h 36 min 26 s
